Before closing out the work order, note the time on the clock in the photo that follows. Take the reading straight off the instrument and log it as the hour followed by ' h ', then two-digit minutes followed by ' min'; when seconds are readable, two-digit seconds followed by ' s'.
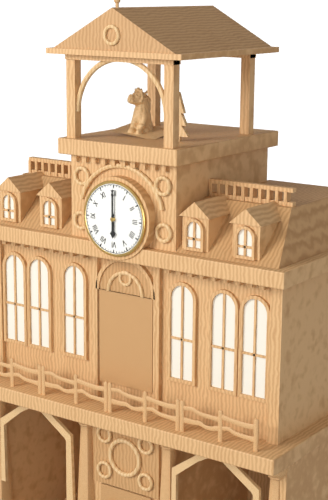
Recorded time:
6 h 00 min
